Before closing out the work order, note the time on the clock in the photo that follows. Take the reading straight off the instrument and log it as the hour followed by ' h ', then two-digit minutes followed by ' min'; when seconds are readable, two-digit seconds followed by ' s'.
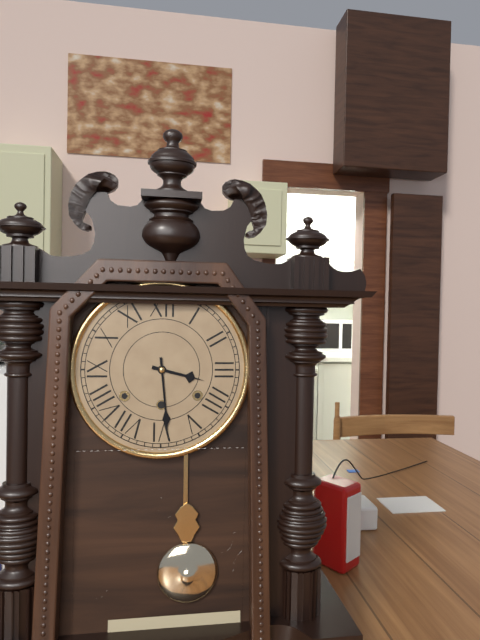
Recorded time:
3 h 29 min
